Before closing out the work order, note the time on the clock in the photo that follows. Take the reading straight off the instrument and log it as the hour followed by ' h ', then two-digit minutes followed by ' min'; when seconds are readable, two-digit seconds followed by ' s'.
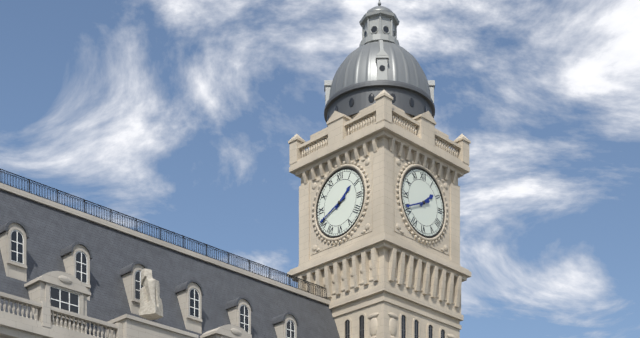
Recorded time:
1 h 41 min
